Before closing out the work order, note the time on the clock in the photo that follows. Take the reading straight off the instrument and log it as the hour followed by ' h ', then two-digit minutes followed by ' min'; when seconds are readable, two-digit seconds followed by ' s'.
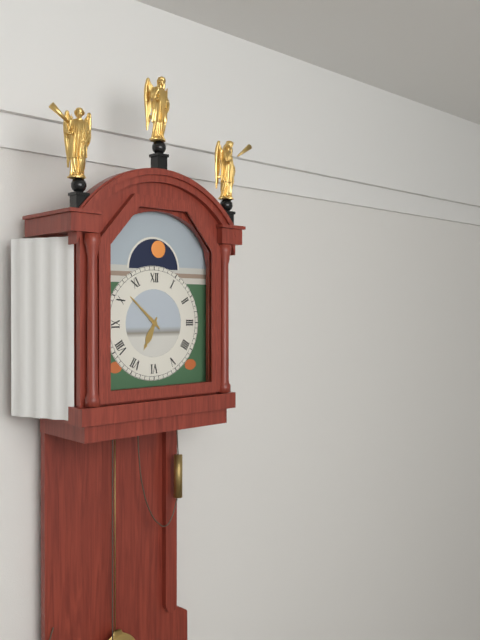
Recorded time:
6 h 52 min
